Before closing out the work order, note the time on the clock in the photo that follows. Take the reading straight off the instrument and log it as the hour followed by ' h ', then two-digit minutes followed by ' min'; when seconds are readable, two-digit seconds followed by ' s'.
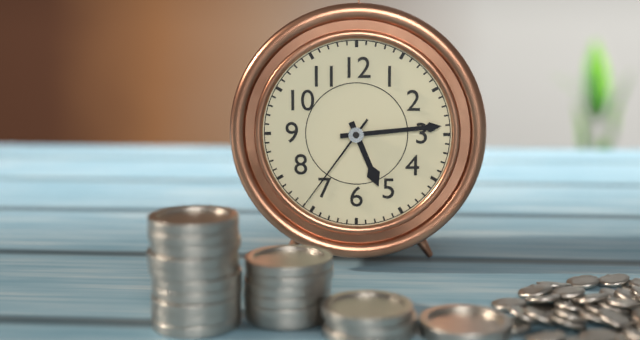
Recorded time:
5 h 14 min 36 s
